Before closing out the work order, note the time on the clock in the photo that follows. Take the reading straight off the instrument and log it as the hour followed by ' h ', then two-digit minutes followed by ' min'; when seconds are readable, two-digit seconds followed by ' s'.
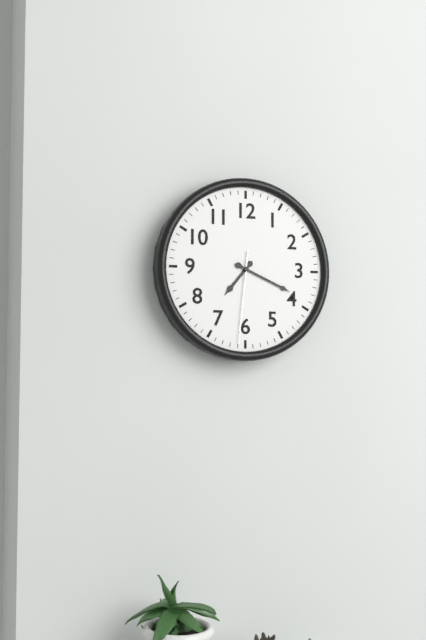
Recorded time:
7 h 19 min 31 s
